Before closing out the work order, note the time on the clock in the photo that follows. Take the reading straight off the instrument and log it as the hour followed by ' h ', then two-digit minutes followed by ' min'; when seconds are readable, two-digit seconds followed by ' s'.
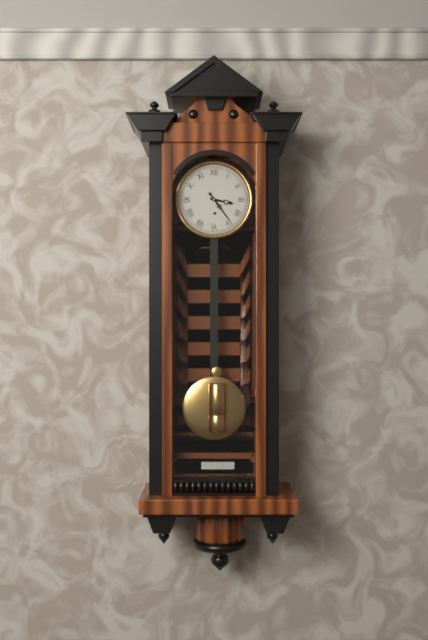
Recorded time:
3 h 24 min
